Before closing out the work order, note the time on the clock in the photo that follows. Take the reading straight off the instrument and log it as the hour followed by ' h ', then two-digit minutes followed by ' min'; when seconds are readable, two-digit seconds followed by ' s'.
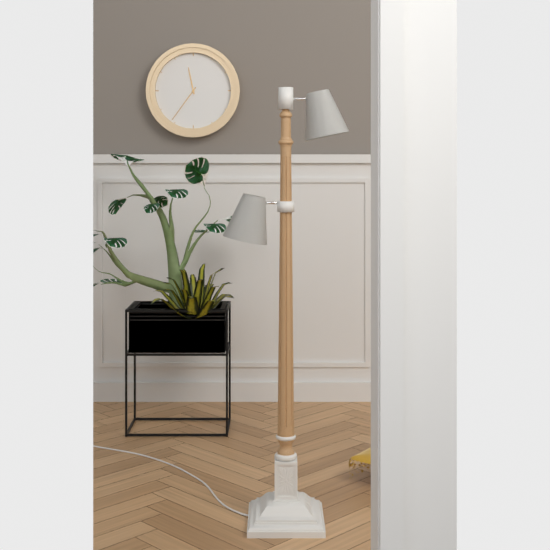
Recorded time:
11 h 36 min
